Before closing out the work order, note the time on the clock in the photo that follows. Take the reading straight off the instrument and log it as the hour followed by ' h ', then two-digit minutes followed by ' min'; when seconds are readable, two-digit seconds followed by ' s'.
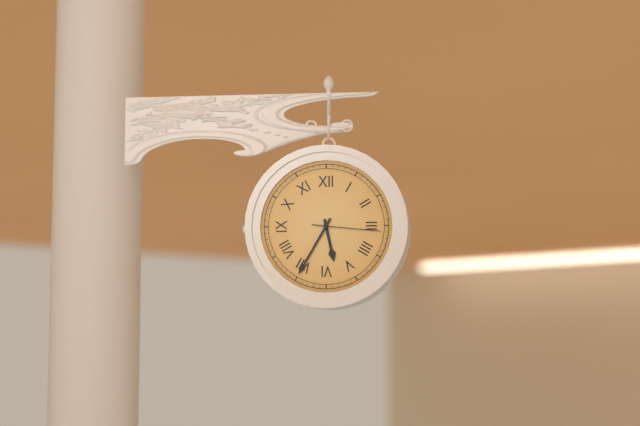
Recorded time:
5 h 35 min 16 s
